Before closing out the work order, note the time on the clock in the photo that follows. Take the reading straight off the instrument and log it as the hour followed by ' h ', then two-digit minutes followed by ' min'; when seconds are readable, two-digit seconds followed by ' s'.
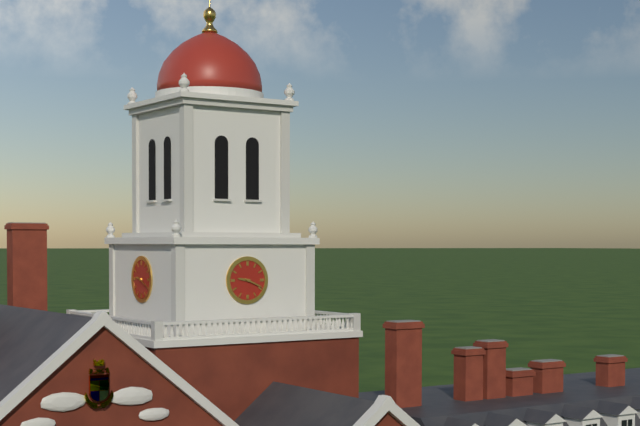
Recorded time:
9 h 19 min
